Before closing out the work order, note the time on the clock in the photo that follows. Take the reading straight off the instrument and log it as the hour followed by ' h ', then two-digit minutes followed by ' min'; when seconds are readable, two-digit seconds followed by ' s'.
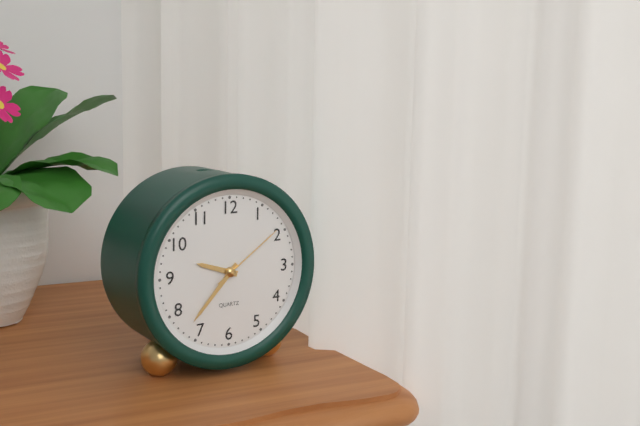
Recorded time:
9 h 37 min 09 s
